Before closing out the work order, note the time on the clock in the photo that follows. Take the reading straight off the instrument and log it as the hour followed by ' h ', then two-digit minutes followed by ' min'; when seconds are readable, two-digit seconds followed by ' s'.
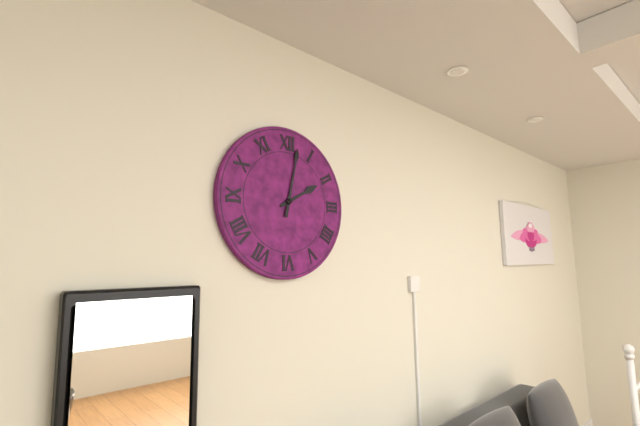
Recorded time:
2 h 02 min
